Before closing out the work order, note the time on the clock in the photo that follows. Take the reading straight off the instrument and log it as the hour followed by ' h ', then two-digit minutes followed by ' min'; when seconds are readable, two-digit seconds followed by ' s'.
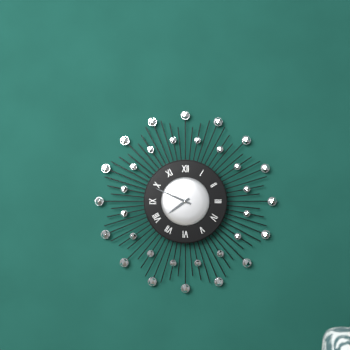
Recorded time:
7 h 49 min
